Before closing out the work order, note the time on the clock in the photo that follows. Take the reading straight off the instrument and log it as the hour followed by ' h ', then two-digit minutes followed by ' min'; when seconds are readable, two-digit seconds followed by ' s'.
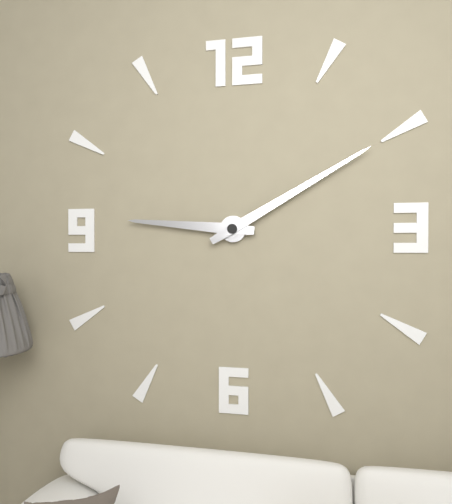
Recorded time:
9 h 10 min
